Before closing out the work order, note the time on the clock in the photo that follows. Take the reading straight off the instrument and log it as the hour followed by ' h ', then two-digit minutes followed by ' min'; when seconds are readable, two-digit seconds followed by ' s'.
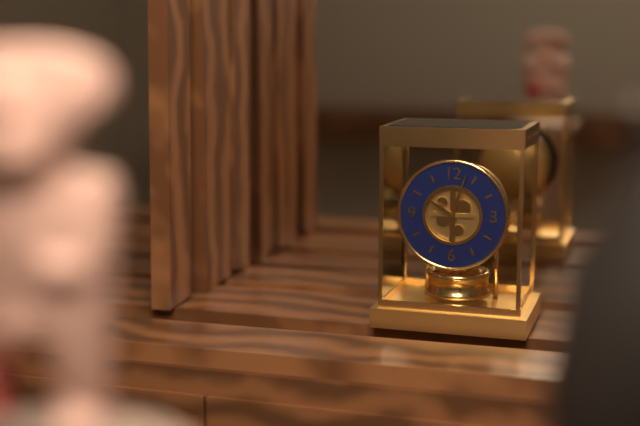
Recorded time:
10 h 03 min
